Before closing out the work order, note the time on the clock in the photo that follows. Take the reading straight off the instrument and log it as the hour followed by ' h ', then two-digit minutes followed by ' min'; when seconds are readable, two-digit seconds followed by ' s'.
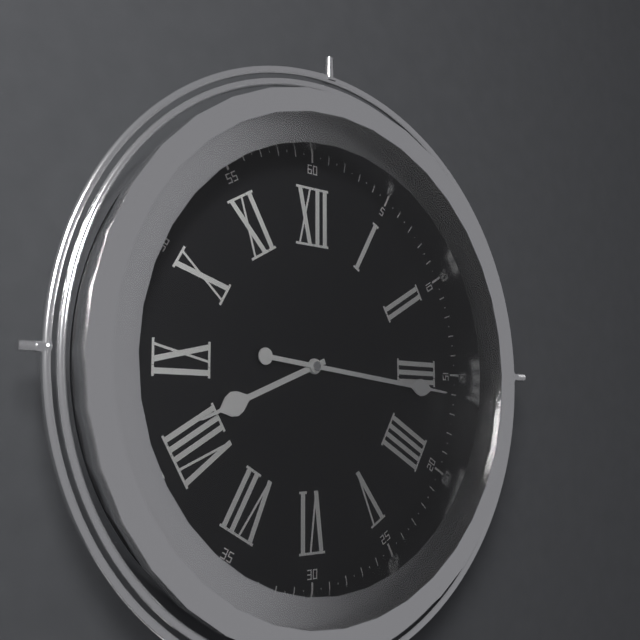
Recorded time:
8 h 16 min
